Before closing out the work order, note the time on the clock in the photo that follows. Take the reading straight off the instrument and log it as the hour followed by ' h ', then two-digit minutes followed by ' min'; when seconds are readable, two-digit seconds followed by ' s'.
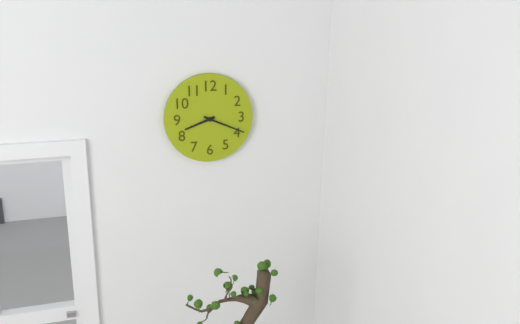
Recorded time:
8 h 19 min
